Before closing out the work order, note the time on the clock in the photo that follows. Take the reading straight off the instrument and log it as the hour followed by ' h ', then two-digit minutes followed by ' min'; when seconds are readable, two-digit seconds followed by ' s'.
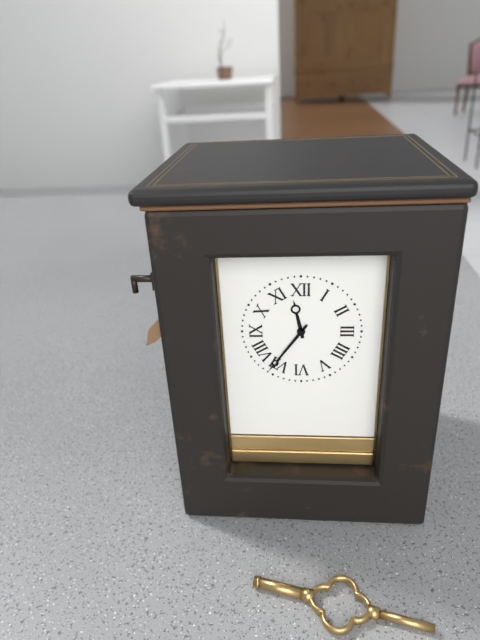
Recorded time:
11 h 36 min
